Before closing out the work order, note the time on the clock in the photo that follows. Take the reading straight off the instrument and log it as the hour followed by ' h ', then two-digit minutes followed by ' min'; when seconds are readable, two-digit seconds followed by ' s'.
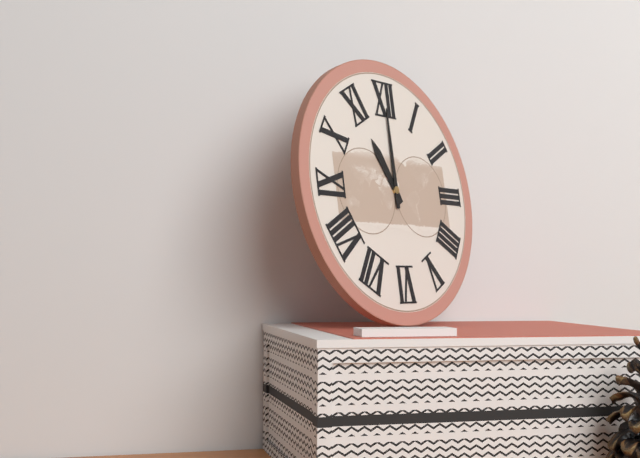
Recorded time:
11 h 00 min
